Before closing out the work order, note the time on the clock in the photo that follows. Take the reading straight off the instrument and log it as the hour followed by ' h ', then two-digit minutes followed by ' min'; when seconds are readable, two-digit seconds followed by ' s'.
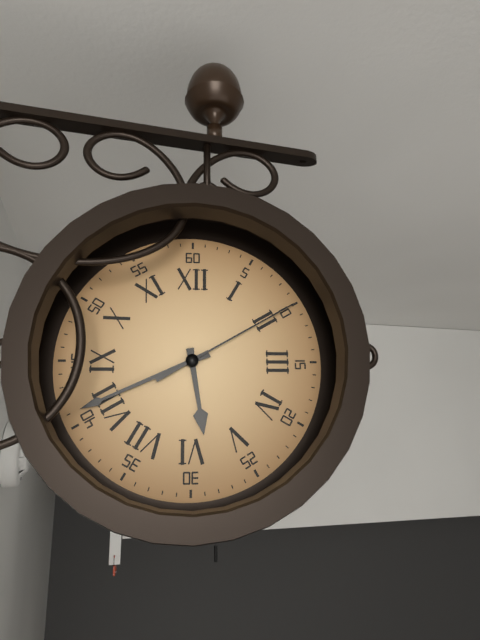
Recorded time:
5 h 41 min 10 s
